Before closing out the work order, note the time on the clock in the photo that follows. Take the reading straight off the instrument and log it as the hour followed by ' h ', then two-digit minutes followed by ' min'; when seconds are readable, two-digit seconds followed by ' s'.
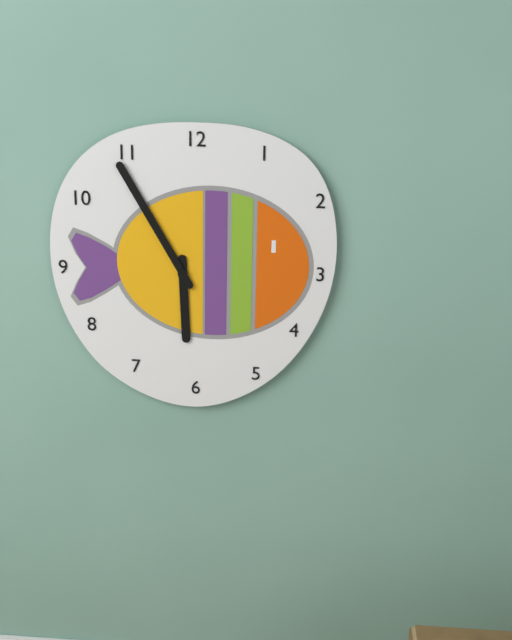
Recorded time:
5 h 55 min
